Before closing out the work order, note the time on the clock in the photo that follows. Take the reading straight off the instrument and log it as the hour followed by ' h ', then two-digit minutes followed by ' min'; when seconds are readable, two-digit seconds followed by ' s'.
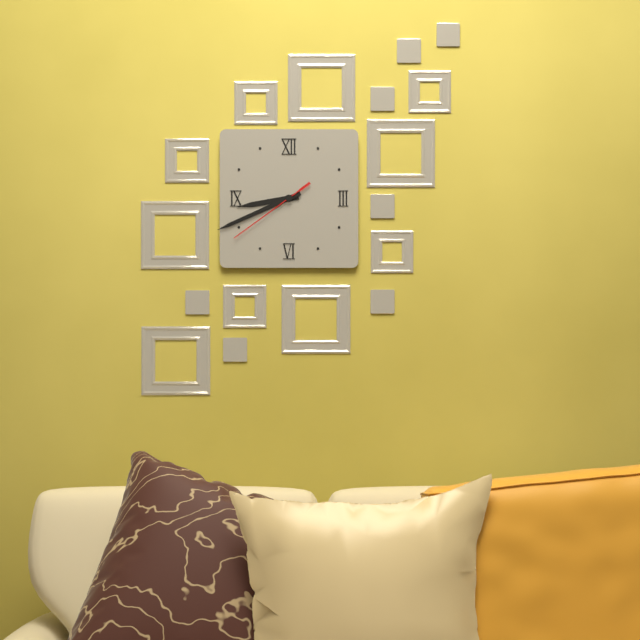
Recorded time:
8 h 41 min 39 s
